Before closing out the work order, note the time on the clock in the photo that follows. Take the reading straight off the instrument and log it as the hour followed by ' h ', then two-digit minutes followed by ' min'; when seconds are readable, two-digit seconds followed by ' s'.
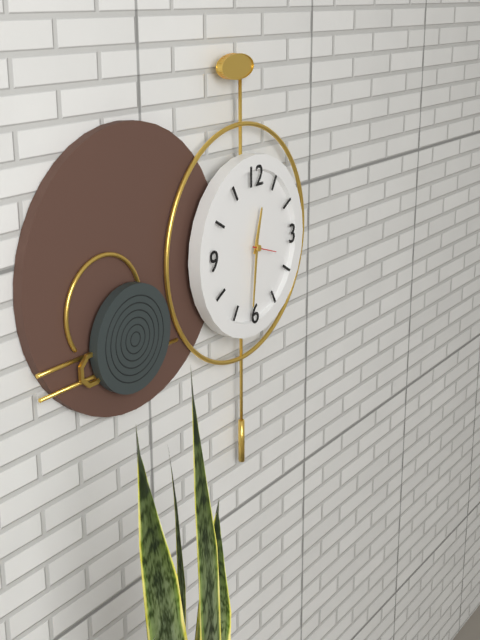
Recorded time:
12 h 31 min
